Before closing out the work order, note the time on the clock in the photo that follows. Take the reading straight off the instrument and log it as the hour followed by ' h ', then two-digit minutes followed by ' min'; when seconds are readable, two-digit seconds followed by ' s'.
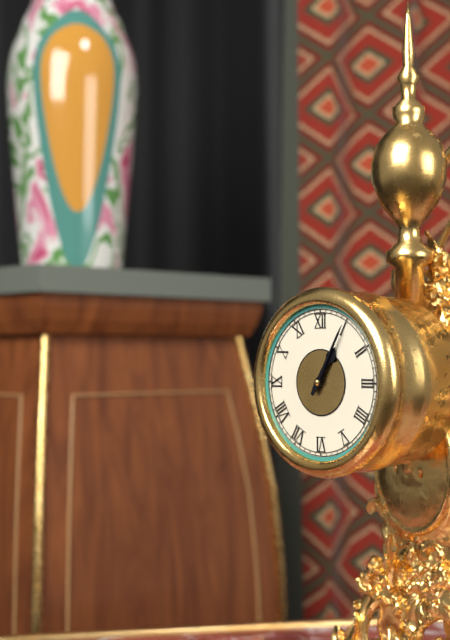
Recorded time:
1 h 05 min
